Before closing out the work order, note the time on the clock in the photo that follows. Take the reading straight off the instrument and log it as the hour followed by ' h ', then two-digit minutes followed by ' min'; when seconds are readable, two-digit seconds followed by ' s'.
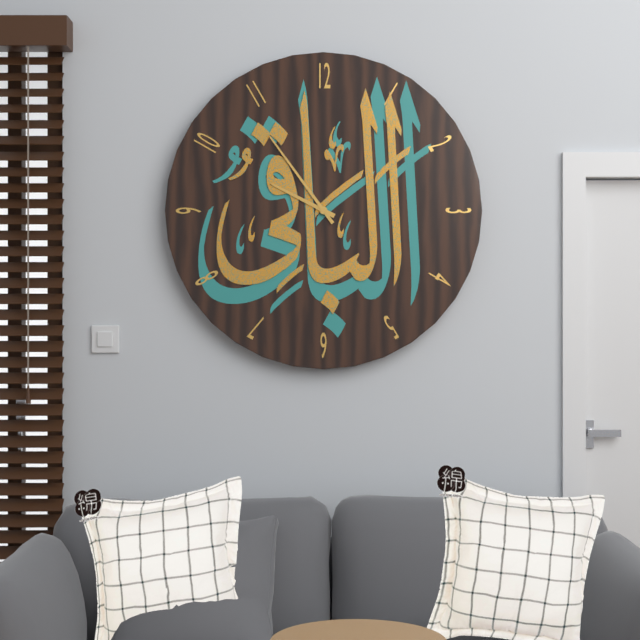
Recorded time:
9 h 54 min
